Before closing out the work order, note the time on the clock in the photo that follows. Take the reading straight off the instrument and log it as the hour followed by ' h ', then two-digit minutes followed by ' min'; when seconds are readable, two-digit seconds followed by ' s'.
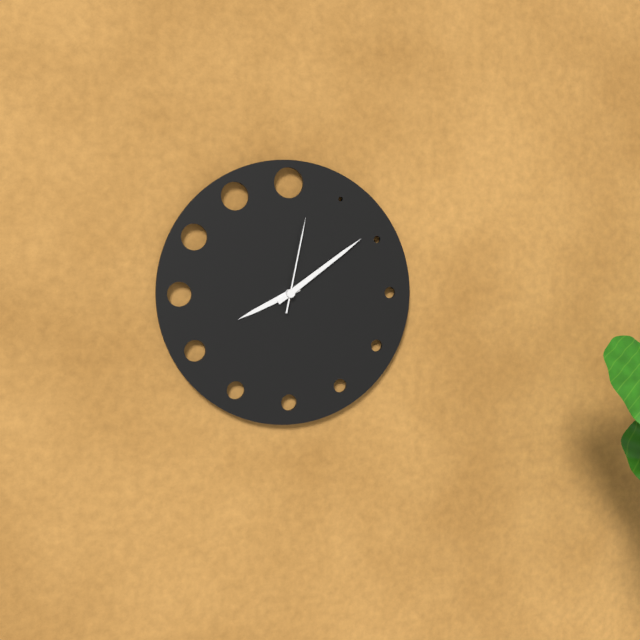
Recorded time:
8 h 09 min 02 s
